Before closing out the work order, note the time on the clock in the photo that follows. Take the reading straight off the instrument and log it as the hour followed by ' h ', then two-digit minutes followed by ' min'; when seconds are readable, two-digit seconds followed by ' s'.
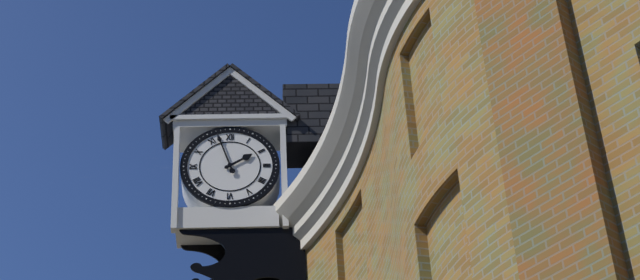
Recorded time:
1 h 57 min
